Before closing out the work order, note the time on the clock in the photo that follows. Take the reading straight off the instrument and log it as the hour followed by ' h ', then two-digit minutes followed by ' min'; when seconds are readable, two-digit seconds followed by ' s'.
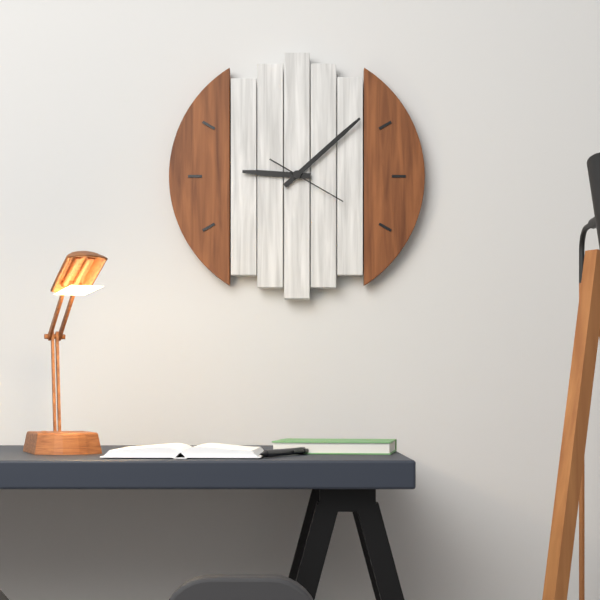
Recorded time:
9 h 08 min 20 s
